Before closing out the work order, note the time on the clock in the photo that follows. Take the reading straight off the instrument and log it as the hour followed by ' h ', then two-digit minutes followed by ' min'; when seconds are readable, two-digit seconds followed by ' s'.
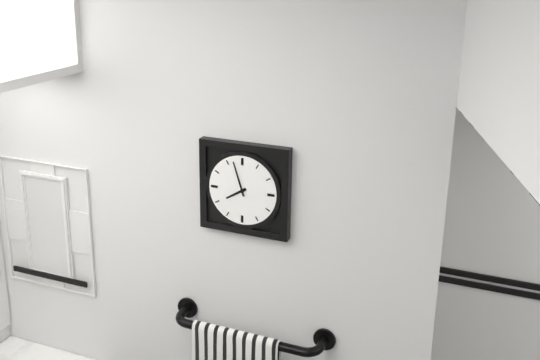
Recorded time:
7 h 57 min
